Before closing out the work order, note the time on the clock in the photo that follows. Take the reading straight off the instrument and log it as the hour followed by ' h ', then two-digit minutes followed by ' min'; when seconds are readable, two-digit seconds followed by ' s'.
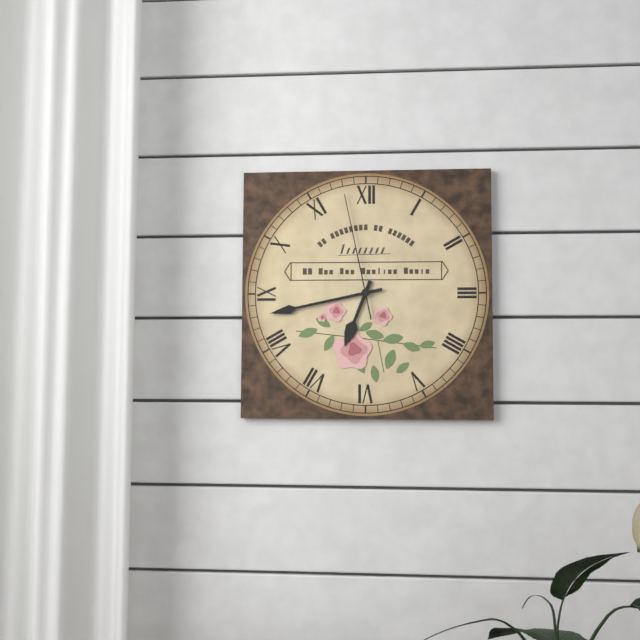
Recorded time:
6 h 43 min 58 s
